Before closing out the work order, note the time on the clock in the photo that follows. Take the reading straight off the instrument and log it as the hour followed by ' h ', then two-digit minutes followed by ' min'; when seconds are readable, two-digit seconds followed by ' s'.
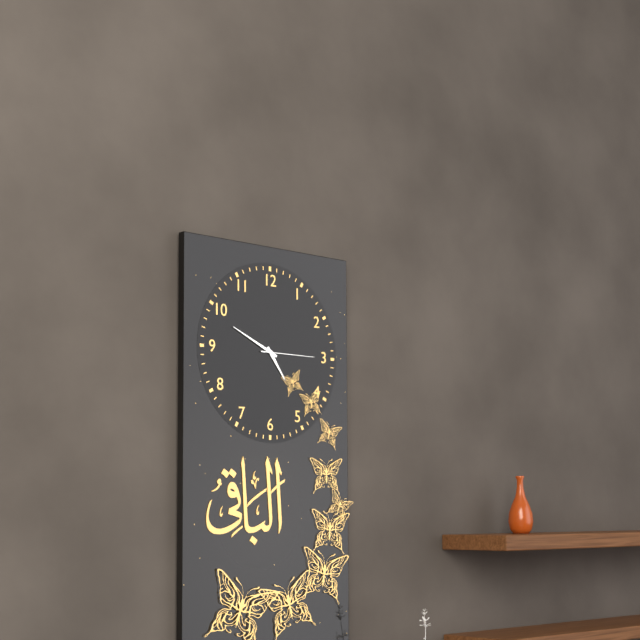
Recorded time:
4 h 49 min 15 s
